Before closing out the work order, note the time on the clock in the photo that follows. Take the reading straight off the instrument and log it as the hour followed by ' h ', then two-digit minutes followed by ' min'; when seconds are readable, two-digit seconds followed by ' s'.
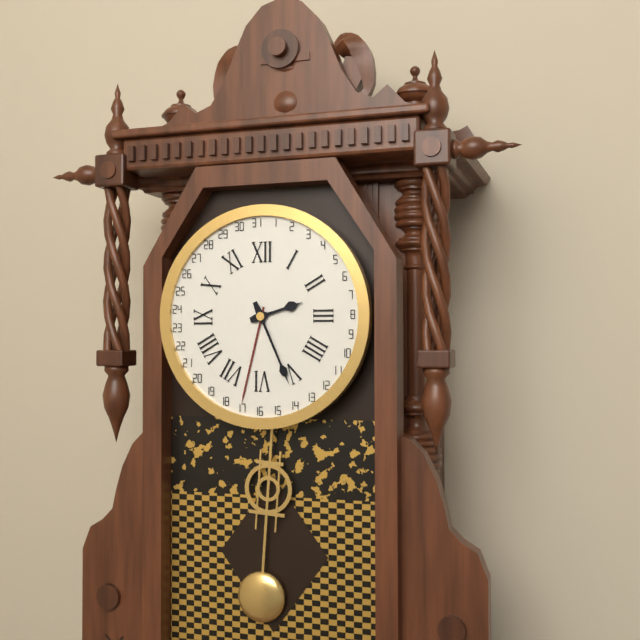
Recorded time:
2 h 26 min
